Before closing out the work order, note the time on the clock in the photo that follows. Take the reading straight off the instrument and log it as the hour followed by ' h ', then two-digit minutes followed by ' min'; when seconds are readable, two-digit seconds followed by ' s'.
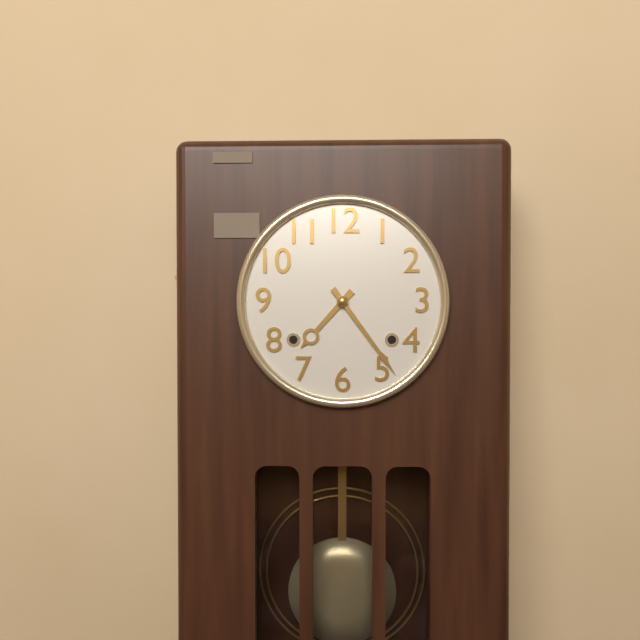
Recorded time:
7 h 24 min
